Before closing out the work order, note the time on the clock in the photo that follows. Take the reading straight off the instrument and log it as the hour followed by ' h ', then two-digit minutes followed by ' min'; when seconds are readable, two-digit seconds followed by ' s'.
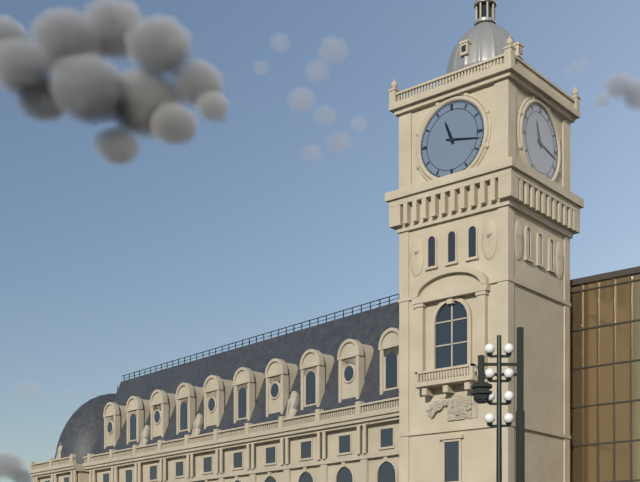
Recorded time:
11 h 17 min
